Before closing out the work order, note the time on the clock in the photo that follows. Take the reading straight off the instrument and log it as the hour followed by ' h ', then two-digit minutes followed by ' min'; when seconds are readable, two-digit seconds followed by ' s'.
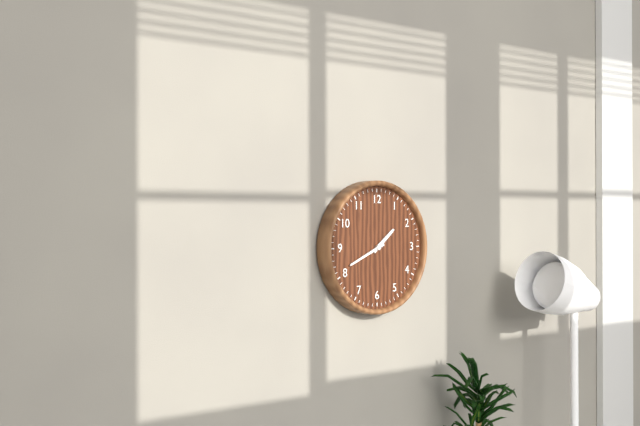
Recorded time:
1 h 41 min
